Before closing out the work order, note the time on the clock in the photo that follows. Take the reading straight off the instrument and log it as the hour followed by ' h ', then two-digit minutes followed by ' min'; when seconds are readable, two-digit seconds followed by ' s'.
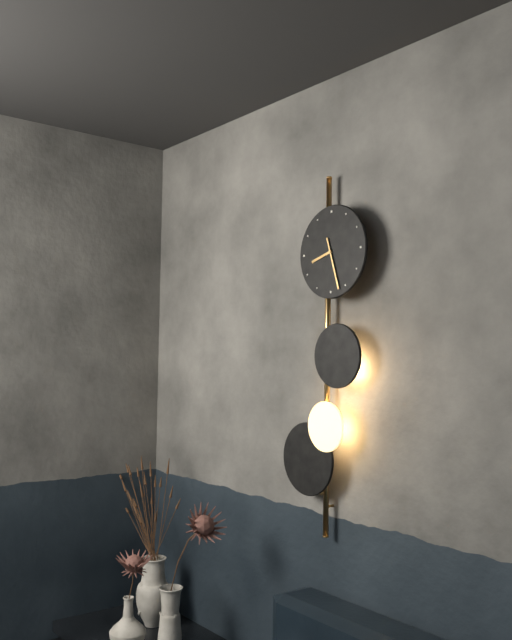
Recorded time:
8 h 27 min
